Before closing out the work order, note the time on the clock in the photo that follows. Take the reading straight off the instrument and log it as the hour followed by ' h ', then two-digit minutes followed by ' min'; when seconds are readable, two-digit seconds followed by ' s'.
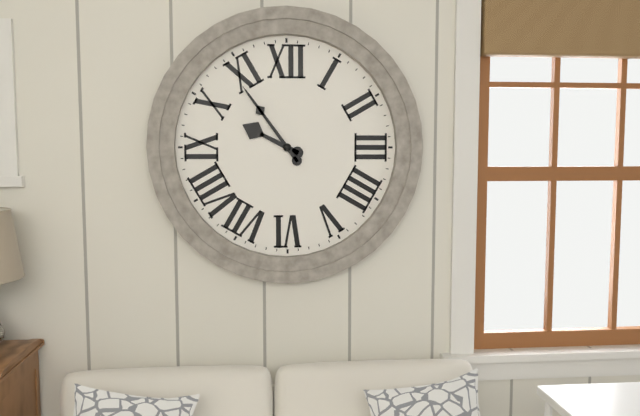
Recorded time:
9 h 54 min
